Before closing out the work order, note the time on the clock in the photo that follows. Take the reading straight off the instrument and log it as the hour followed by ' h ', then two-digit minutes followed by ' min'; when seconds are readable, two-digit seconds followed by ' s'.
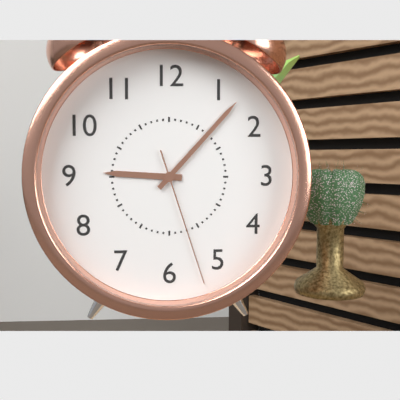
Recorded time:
9 h 07 min 27 s
